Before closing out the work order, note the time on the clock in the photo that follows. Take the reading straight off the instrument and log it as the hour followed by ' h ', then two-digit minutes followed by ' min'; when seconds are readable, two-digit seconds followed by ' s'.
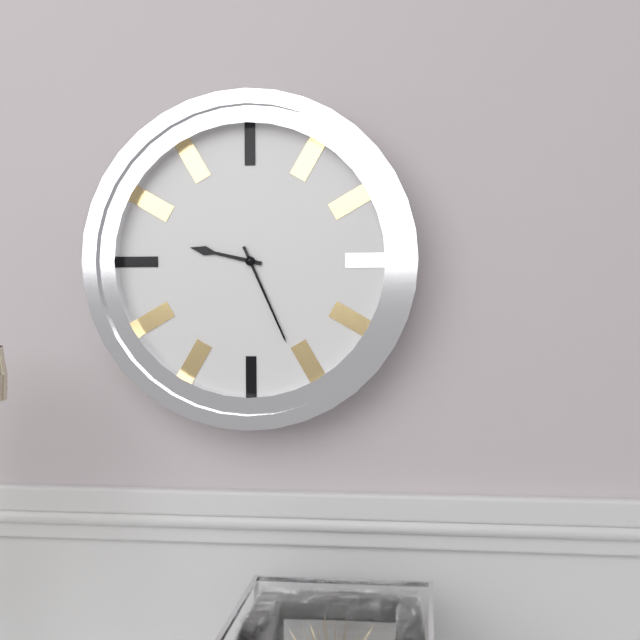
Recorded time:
9 h 26 min
